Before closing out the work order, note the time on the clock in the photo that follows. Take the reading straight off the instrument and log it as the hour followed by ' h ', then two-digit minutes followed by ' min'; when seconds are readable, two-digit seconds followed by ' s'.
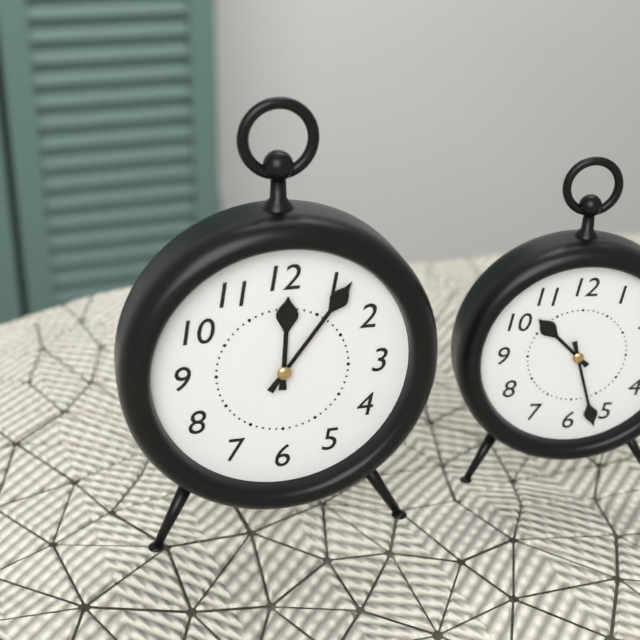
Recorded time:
12 h 06 min
